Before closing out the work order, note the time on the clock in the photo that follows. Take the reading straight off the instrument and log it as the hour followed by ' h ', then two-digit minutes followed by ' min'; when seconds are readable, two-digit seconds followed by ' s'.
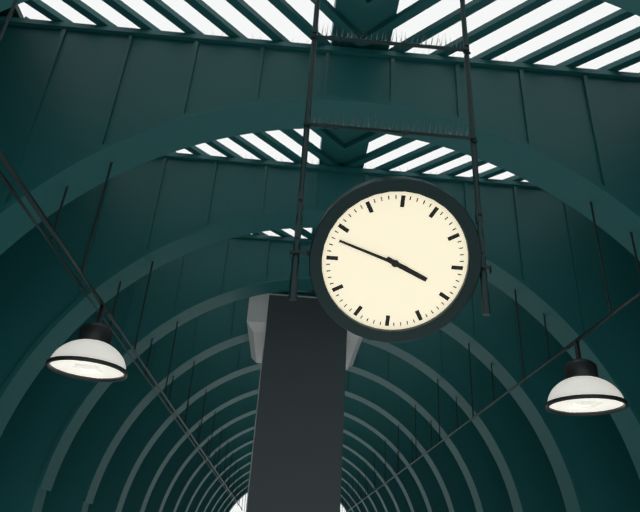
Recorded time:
3 h 48 min
